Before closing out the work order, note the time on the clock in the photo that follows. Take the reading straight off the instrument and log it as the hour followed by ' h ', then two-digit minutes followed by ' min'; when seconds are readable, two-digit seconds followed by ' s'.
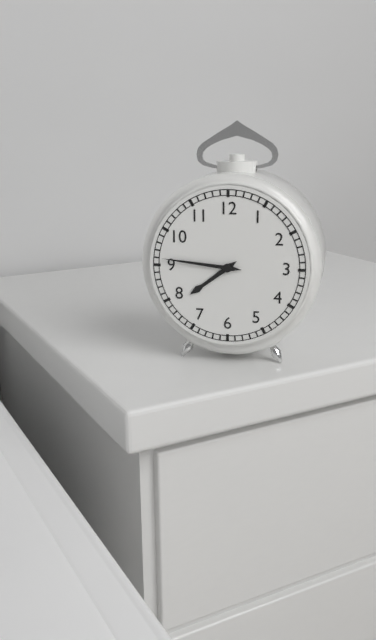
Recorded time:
7 h 46 min
